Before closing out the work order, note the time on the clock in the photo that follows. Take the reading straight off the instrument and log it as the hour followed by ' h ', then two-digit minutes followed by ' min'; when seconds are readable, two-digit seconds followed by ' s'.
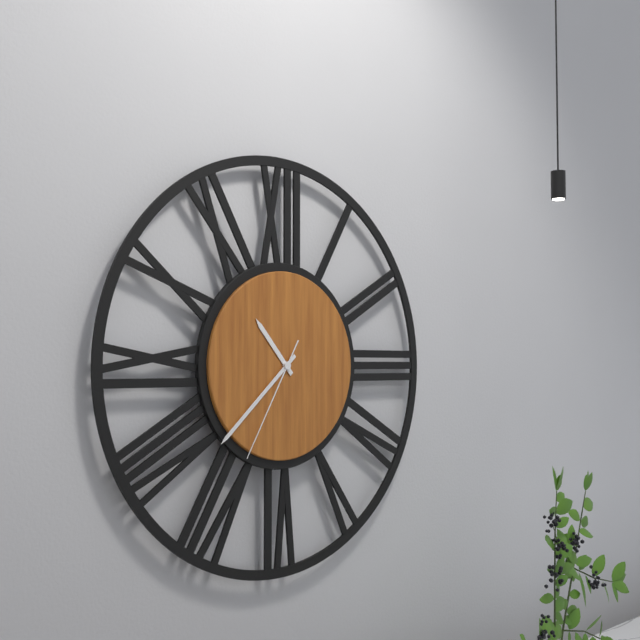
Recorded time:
10 h 38 min 35 s
